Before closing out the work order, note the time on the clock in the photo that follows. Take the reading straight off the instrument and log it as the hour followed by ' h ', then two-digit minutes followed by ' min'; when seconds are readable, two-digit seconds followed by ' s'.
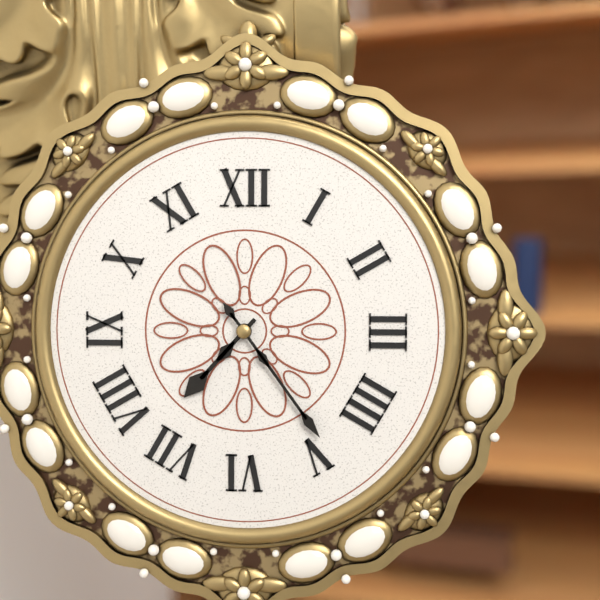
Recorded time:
7 h 24 min
